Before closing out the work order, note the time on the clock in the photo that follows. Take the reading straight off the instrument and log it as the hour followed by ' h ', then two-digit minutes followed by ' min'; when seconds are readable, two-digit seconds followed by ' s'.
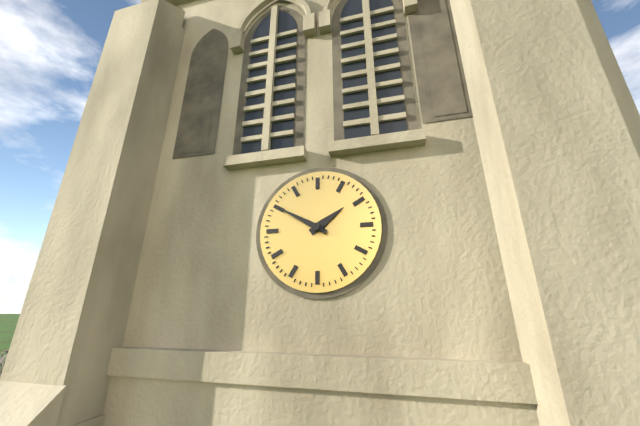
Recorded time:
1 h 50 min
